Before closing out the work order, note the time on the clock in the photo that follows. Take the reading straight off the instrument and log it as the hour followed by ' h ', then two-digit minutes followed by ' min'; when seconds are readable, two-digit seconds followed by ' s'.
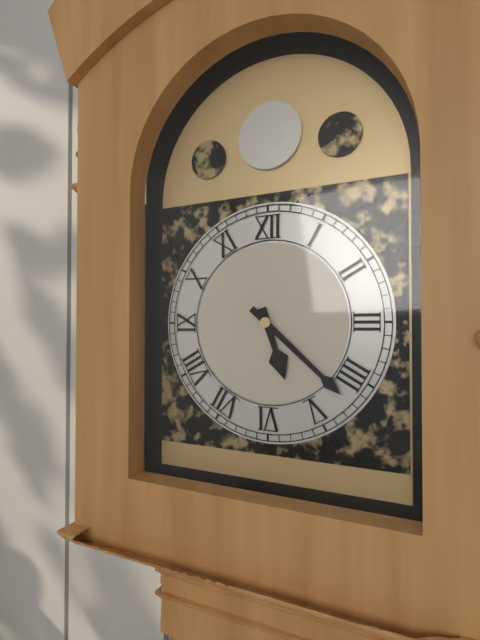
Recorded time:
5 h 22 min
